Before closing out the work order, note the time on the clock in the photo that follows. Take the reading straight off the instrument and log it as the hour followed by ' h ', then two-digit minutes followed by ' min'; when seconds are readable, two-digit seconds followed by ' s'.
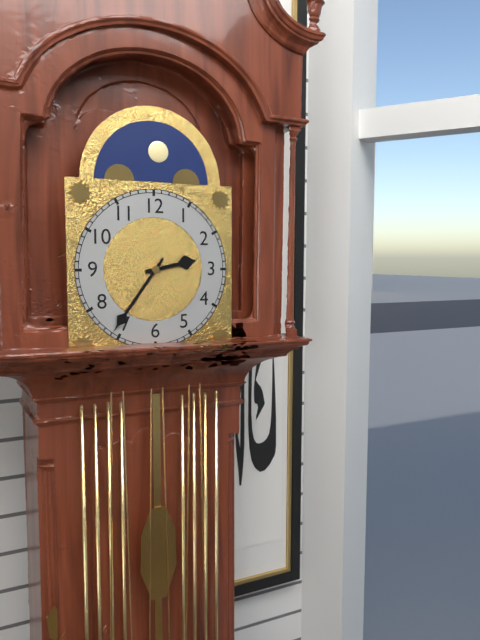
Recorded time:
2 h 36 min
